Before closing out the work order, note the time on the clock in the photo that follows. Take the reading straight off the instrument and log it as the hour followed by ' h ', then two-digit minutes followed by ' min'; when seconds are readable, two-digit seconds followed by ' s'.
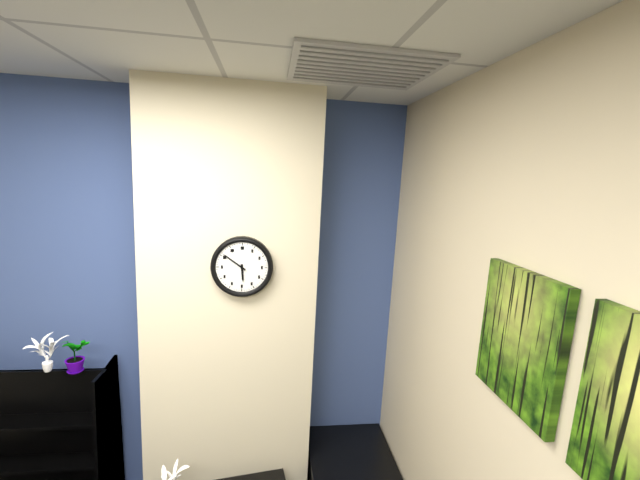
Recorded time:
5 h 51 min
